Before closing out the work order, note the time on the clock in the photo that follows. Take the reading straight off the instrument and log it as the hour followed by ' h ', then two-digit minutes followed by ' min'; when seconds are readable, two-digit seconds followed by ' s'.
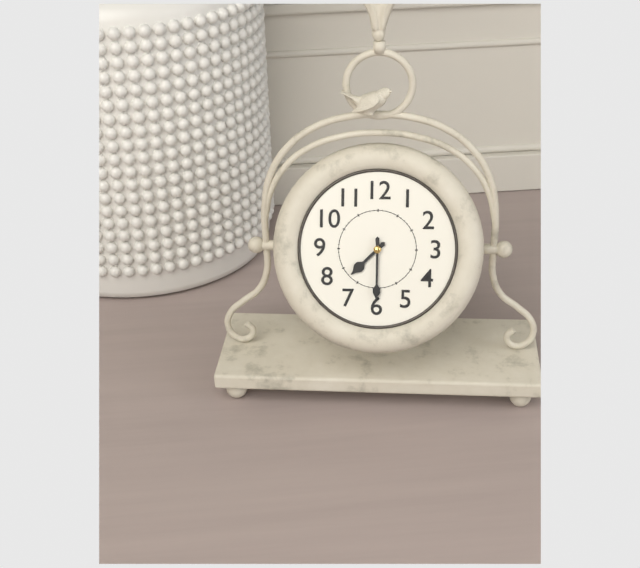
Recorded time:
7 h 30 min
